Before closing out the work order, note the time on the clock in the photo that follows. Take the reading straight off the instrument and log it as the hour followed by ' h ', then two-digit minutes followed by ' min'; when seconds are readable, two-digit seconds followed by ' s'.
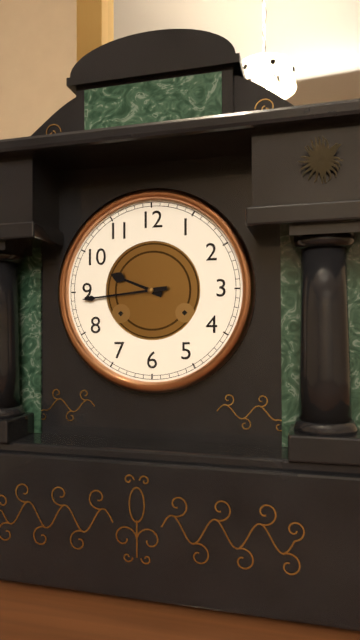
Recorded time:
9 h 44 min
